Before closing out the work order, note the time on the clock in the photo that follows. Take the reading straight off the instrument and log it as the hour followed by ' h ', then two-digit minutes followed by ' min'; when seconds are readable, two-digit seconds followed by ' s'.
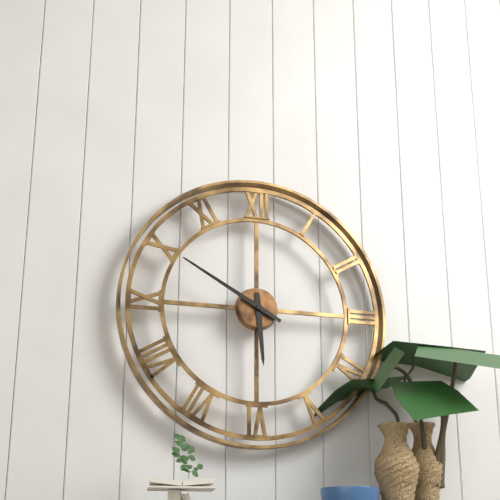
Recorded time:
5 h 50 min
